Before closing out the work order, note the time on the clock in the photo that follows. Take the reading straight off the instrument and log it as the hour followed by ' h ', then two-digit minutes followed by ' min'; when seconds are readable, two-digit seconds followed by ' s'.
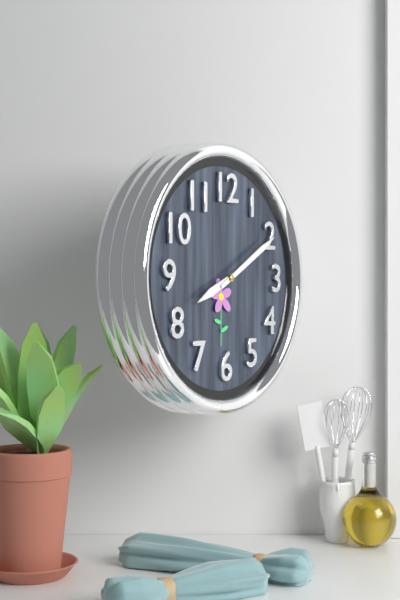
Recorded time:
8 h 10 min
